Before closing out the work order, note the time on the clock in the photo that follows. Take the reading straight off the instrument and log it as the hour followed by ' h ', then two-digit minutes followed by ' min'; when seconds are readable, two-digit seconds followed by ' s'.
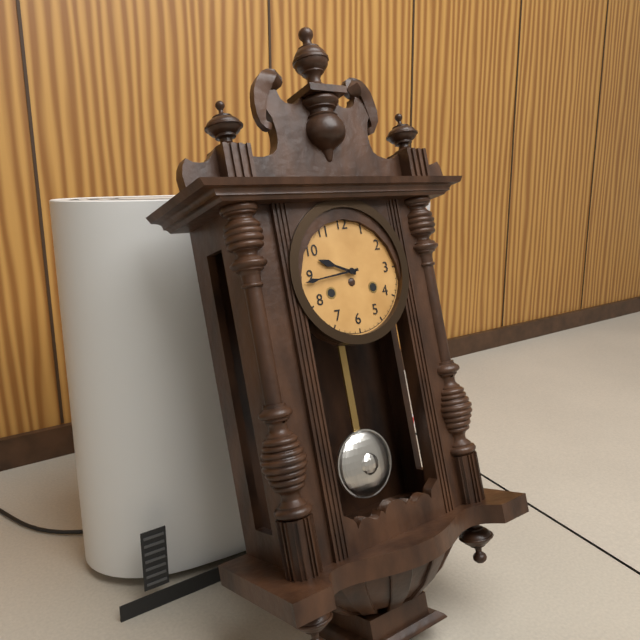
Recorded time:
9 h 44 min
